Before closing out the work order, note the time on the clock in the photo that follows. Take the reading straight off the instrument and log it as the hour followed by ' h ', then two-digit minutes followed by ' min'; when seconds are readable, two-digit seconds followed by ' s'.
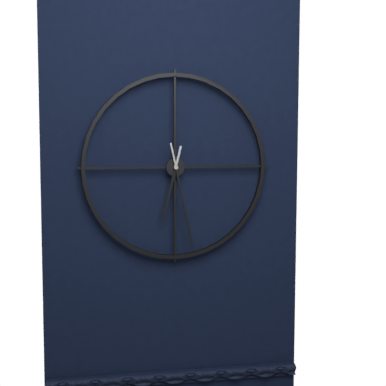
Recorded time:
6 h 28 min
